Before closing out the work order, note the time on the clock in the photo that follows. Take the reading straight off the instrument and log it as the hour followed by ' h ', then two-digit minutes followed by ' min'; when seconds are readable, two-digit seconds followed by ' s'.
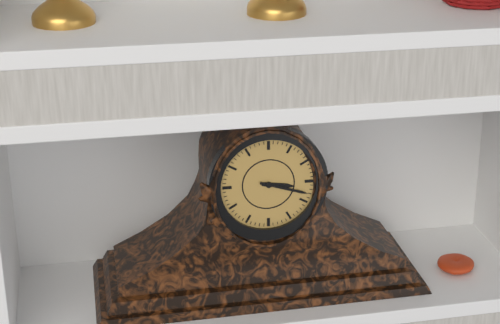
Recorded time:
3 h 18 min
